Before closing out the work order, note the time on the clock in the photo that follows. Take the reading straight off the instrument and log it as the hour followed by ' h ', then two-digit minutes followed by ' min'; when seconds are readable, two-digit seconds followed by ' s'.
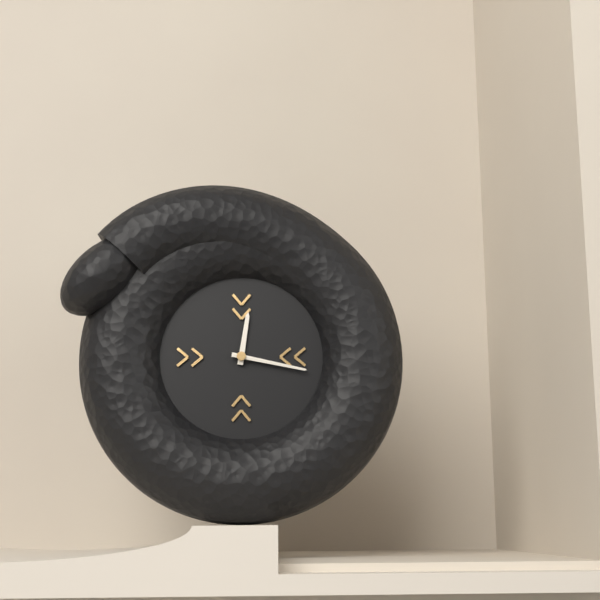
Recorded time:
12 h 17 min
